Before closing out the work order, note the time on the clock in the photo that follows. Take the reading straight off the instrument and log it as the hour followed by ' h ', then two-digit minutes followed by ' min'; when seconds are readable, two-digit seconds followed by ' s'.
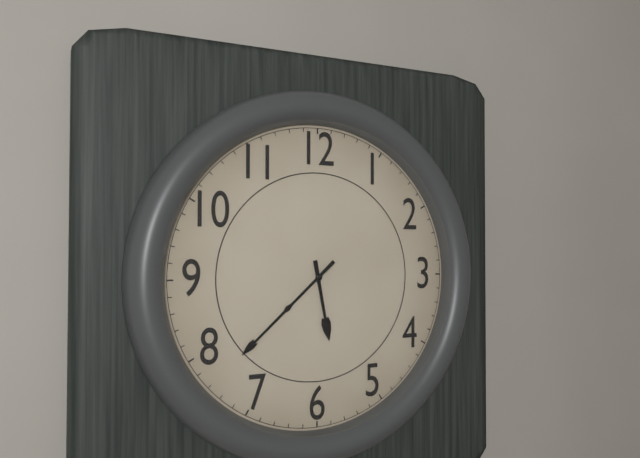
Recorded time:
5 h 38 min
